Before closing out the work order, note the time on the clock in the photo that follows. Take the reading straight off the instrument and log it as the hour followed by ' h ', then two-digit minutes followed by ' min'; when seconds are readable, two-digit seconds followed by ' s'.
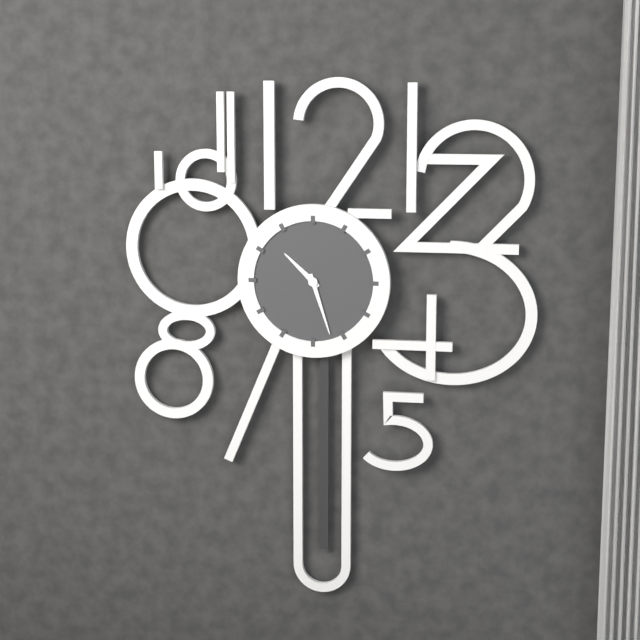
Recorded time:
10 h 27 min
